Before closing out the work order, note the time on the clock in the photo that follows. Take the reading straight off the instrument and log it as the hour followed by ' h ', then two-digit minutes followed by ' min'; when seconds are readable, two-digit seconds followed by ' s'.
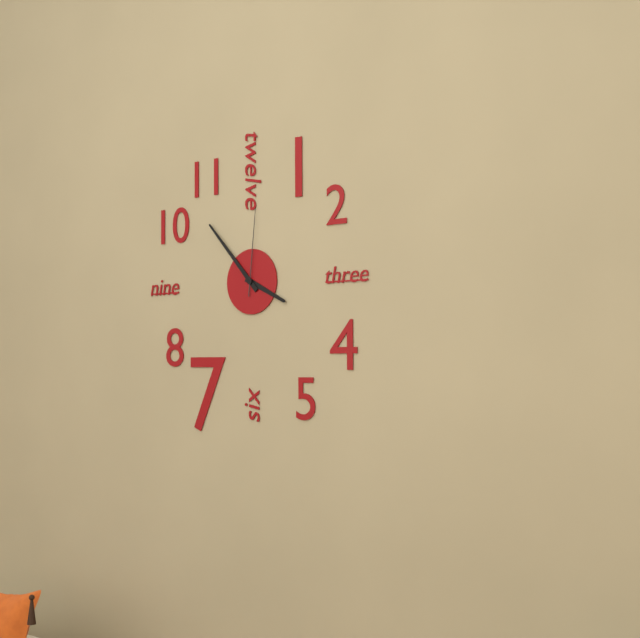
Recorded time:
3 h 53 min 01 s
